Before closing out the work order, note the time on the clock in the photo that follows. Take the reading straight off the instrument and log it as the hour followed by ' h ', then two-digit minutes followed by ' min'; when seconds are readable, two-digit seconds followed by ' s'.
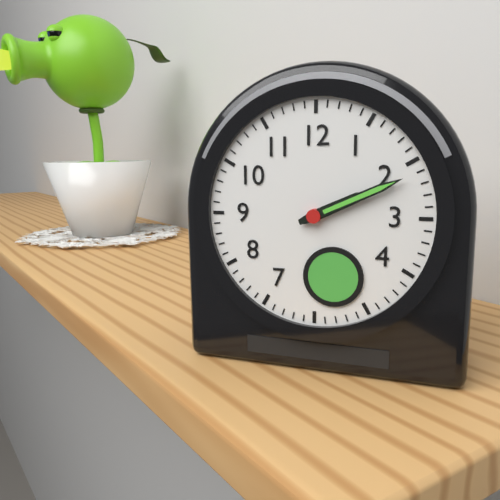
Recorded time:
2 h 11 min
